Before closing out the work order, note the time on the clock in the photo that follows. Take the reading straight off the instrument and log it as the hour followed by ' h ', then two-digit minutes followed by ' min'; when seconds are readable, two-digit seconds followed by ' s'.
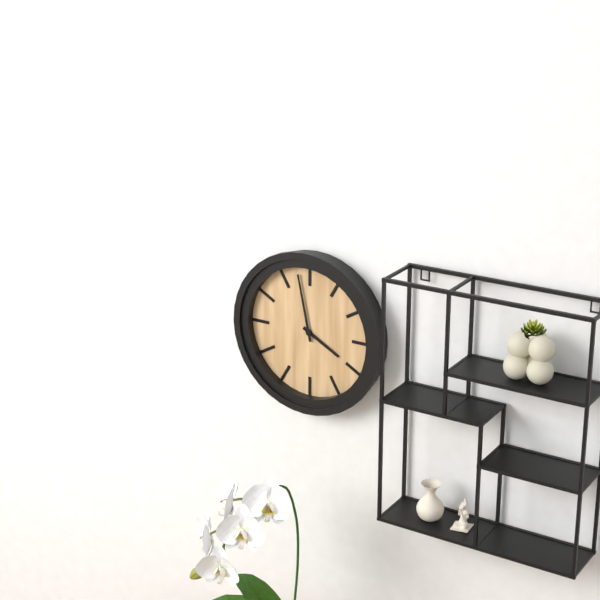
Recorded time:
3 h 58 min
